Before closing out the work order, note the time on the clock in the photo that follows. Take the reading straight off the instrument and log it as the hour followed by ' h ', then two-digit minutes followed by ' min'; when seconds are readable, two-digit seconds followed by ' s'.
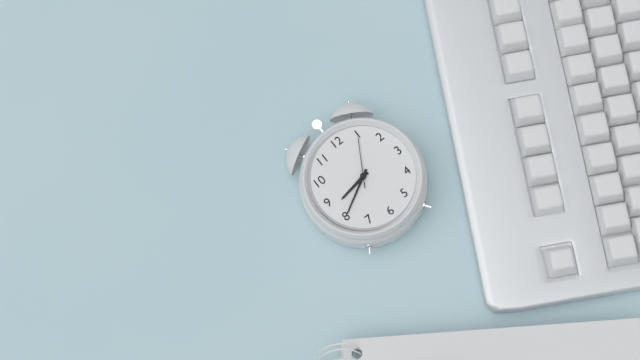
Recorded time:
8 h 40 min 05 s
